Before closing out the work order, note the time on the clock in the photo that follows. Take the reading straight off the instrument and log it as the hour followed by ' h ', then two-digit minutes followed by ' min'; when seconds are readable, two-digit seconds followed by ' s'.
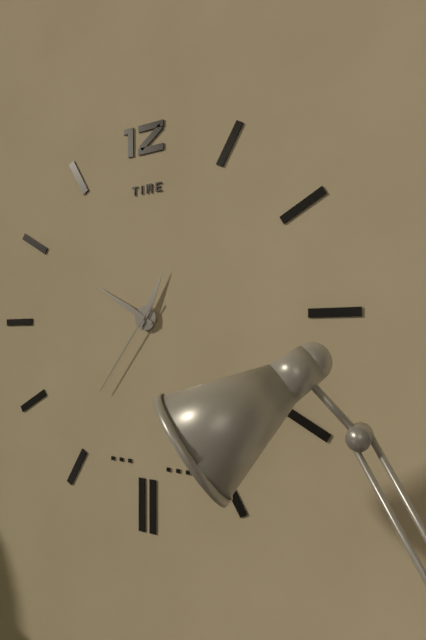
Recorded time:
12 h 50 min 36 s
